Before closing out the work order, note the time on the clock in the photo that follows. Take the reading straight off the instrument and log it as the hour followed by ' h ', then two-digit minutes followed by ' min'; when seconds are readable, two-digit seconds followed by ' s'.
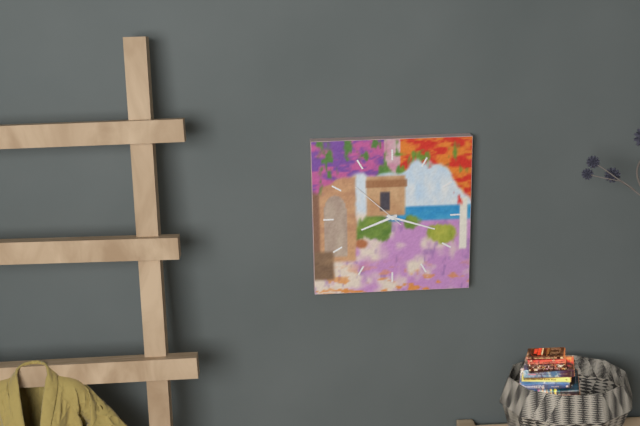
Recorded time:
8 h 18 min 52 s
